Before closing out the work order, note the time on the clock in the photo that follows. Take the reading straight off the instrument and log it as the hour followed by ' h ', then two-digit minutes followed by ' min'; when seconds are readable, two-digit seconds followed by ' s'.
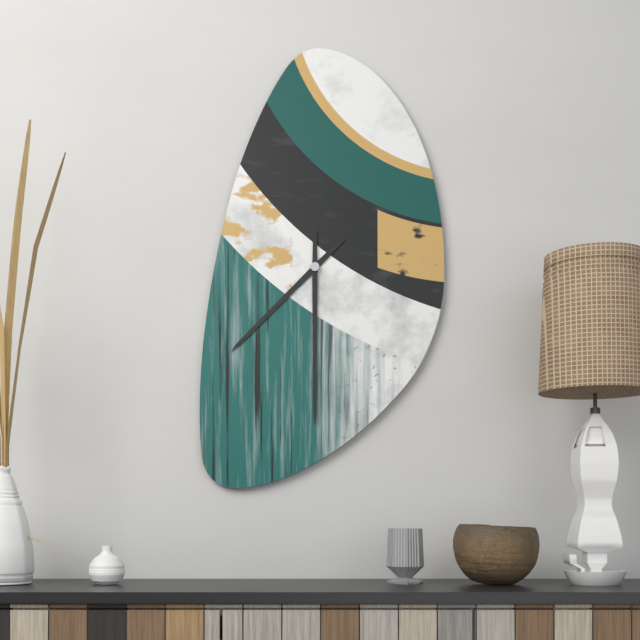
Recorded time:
7 h 30 min
